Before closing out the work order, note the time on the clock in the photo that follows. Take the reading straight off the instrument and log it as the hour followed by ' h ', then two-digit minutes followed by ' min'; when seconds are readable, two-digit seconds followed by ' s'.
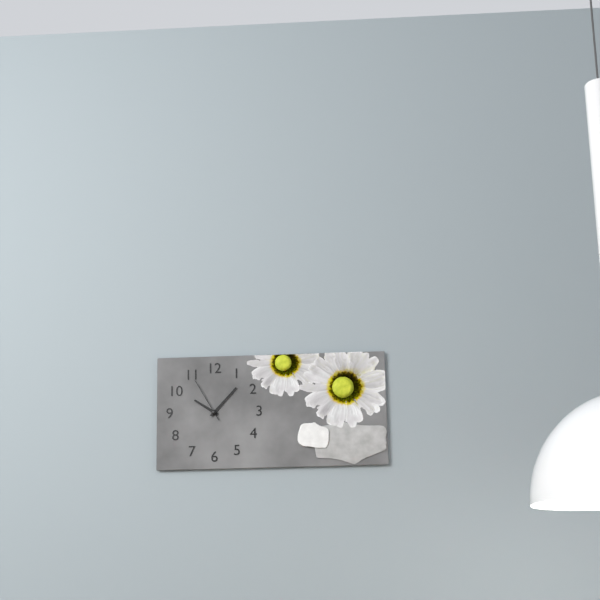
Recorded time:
10 h 07 min
